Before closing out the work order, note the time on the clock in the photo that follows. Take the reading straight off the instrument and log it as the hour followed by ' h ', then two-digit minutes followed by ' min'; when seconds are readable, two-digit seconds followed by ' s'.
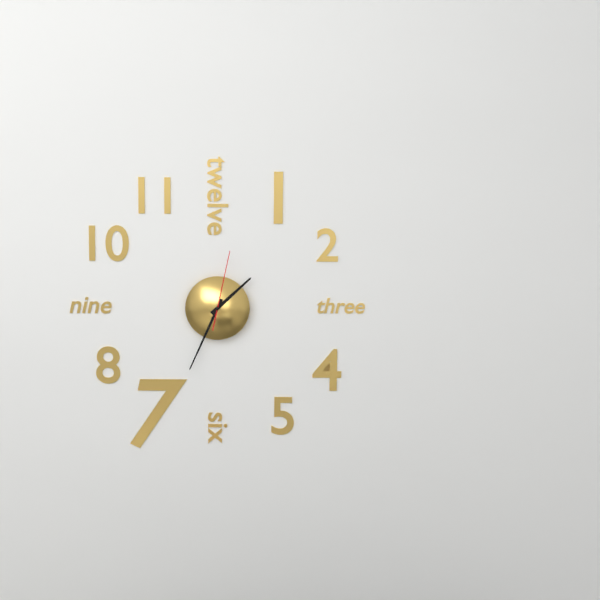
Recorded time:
1 h 34 min 02 s
